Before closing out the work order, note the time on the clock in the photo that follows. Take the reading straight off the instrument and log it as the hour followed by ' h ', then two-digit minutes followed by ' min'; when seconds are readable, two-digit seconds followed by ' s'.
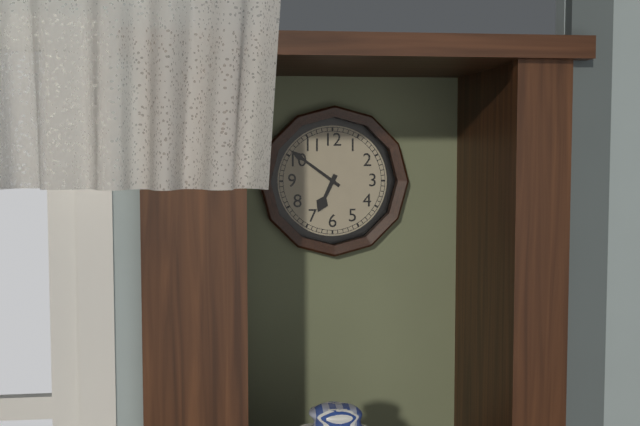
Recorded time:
6 h 51 min
